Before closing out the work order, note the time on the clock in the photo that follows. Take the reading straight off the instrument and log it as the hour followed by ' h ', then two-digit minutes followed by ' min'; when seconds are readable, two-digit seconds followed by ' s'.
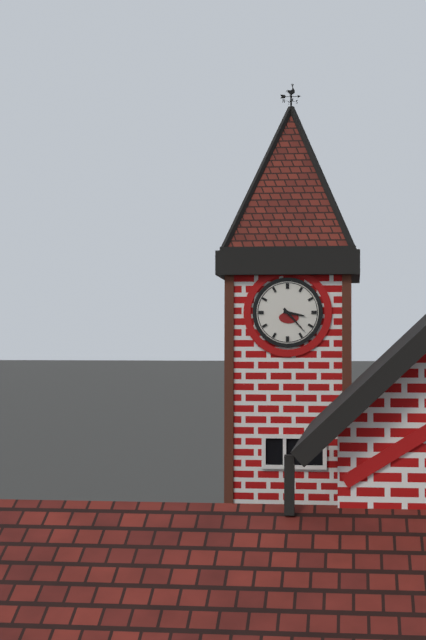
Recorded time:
3 h 23 min
